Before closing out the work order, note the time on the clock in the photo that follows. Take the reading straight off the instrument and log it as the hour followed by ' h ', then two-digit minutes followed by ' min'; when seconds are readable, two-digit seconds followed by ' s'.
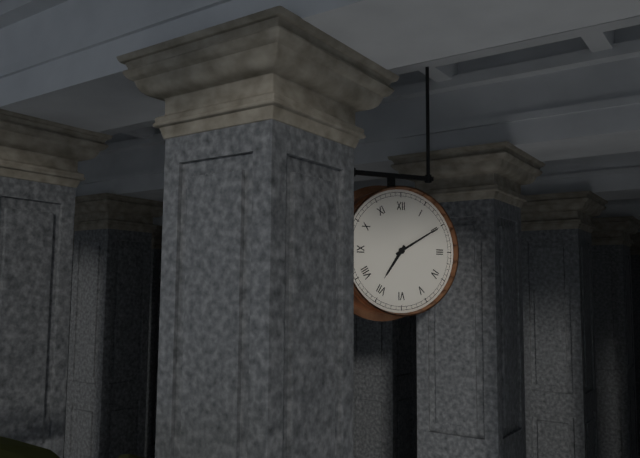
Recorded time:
7 h 10 min
